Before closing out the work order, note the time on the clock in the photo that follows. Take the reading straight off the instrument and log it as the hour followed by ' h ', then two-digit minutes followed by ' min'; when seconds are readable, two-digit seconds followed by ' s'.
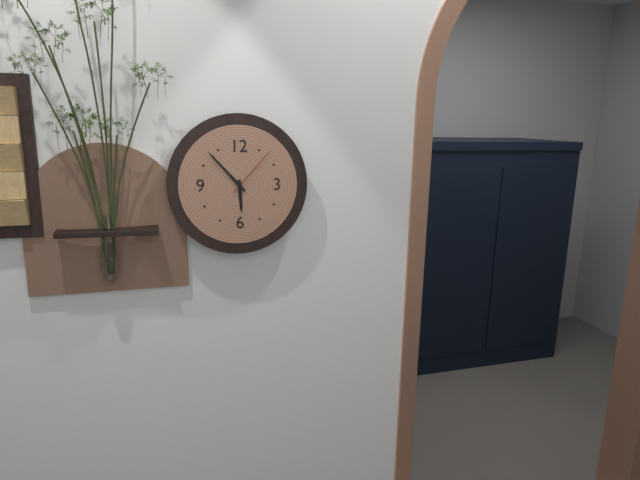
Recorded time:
5 h 53 min 07 s
